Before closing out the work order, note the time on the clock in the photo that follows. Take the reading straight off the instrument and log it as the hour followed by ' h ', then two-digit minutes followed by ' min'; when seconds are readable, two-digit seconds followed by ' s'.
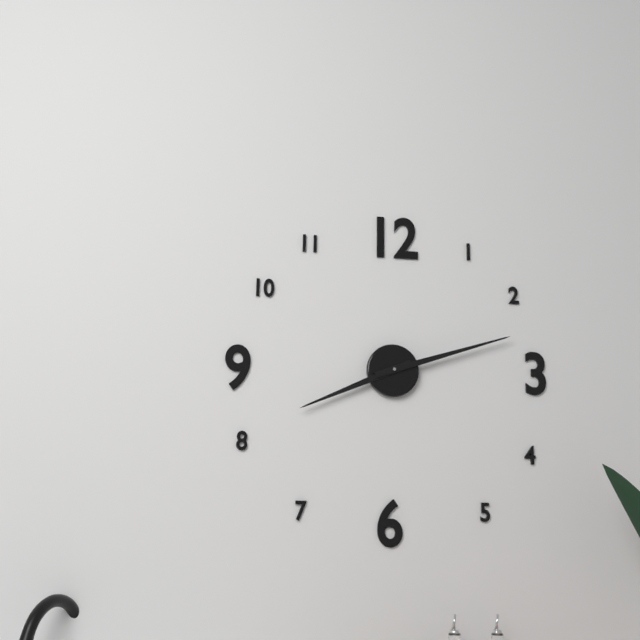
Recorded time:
8 h 12 min
